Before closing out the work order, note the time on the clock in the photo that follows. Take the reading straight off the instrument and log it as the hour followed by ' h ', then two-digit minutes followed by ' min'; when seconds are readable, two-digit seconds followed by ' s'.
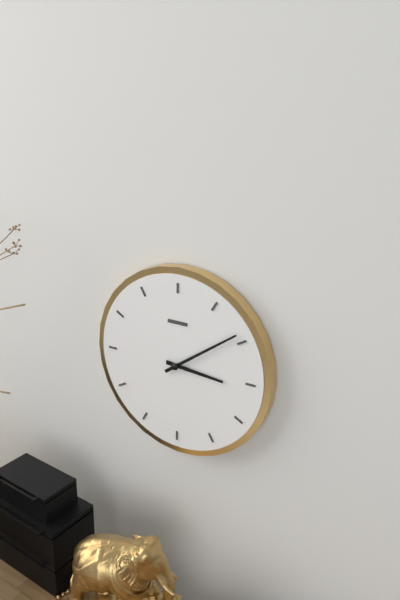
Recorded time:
3 h 09 min
